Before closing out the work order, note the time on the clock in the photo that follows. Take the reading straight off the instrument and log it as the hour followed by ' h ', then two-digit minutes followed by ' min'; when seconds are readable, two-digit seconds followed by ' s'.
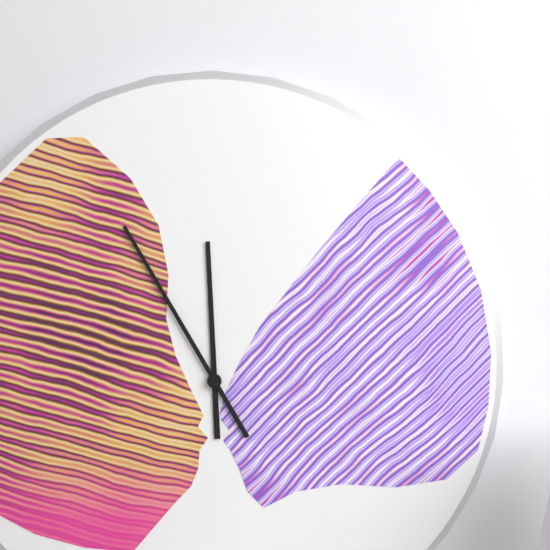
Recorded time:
11 h 55 min
